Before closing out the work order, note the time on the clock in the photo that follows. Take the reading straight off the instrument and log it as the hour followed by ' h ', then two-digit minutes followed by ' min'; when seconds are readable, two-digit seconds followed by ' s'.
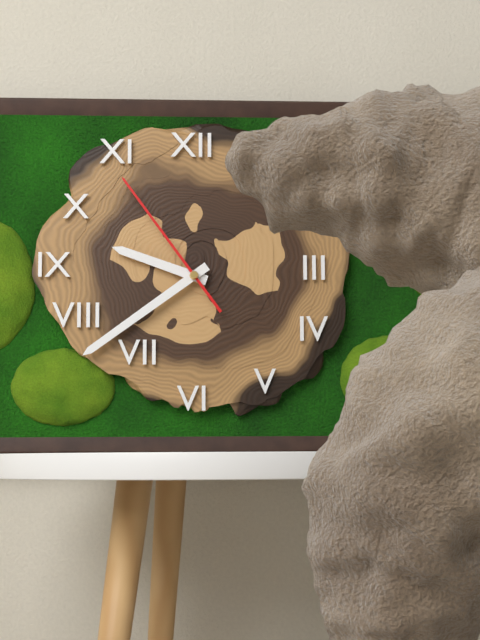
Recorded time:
9 h 39 min 54 s
